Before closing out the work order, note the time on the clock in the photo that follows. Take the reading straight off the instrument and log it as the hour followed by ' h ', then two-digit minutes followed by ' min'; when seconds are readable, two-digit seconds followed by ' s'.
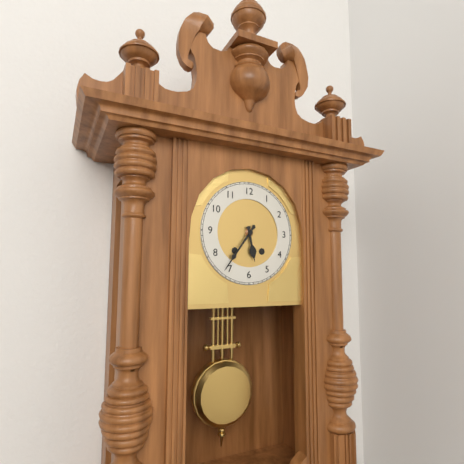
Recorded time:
5 h 36 min
